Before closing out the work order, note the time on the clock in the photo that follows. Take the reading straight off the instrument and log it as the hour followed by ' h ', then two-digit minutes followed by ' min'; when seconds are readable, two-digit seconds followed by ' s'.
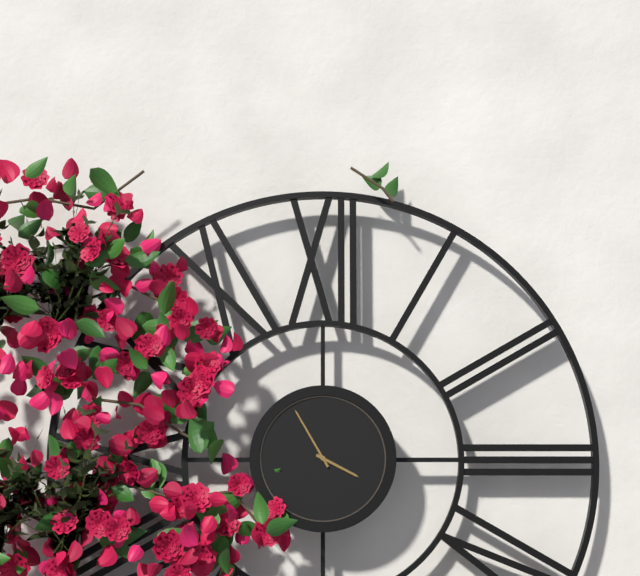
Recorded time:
3 h 55 min
